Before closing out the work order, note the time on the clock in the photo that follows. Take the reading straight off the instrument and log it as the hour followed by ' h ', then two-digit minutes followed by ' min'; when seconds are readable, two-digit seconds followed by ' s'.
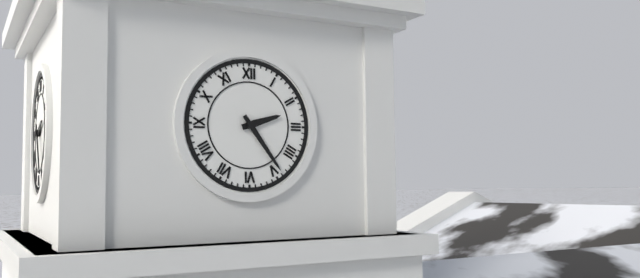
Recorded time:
2 h 24 min
